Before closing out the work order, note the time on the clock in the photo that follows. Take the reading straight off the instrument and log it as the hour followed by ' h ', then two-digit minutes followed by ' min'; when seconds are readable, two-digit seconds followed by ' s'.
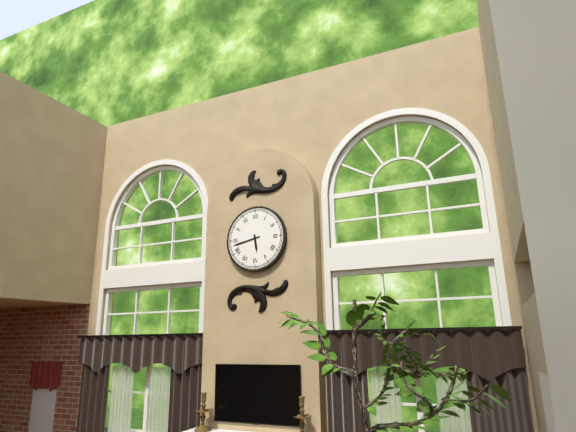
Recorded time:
5 h 43 min
